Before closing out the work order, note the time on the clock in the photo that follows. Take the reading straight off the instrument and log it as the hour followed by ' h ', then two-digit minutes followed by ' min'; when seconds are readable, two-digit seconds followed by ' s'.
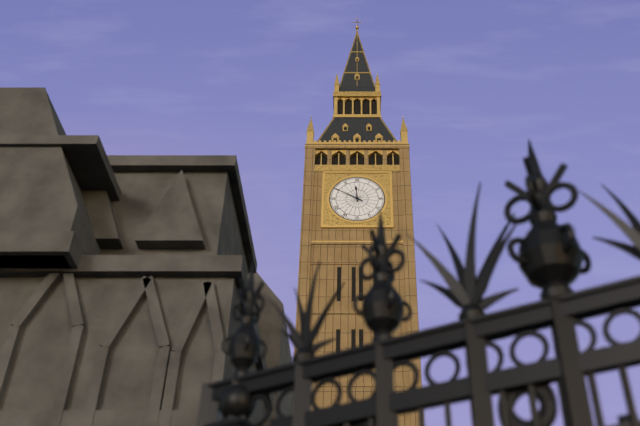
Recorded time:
11 h 50 min
